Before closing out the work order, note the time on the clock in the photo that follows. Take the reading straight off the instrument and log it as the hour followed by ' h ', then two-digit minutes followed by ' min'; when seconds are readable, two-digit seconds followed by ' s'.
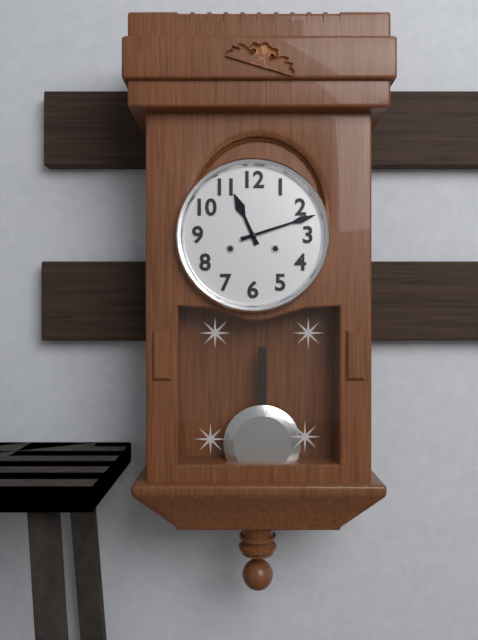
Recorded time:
11 h 12 min
